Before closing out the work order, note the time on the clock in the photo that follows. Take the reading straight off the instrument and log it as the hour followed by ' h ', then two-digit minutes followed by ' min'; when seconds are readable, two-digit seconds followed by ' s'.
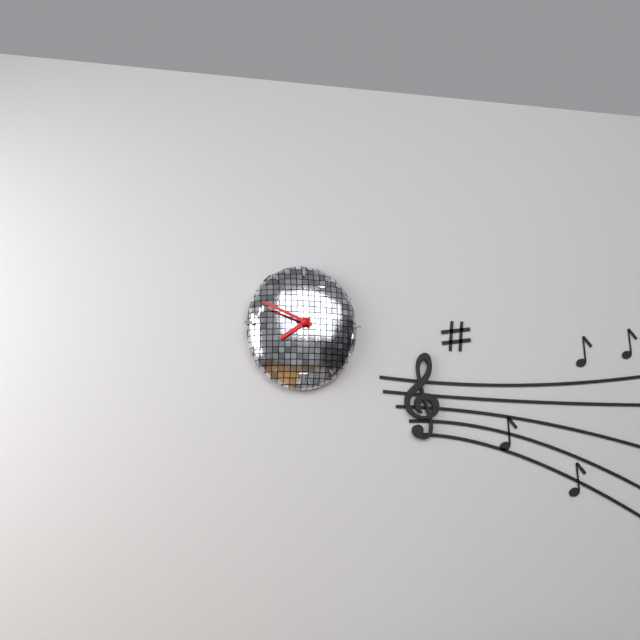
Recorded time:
7 h 49 min
